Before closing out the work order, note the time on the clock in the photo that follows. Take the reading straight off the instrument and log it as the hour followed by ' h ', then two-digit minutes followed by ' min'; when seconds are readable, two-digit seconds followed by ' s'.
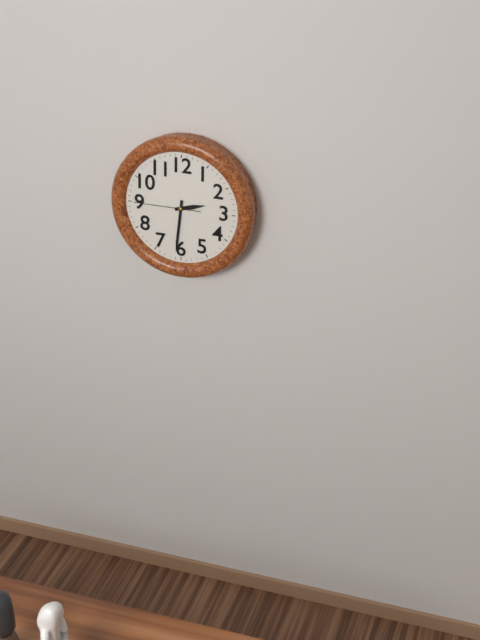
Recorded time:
2 h 31 min 45 s
